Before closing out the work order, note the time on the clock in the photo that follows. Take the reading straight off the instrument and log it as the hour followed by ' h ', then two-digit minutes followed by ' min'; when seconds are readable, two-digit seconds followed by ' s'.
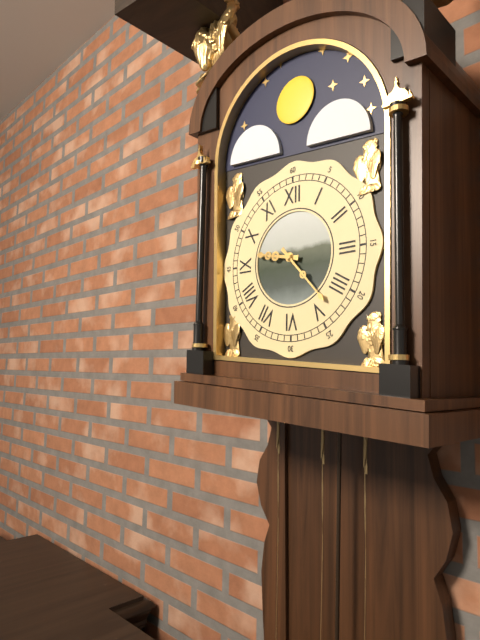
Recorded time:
9 h 23 min
